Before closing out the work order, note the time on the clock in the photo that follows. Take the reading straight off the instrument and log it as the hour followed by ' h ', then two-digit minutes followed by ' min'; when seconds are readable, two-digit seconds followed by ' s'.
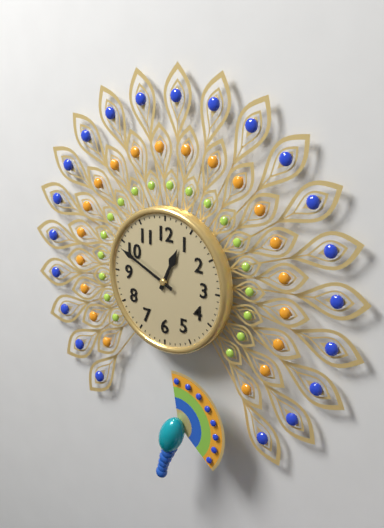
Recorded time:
12 h 49 min
